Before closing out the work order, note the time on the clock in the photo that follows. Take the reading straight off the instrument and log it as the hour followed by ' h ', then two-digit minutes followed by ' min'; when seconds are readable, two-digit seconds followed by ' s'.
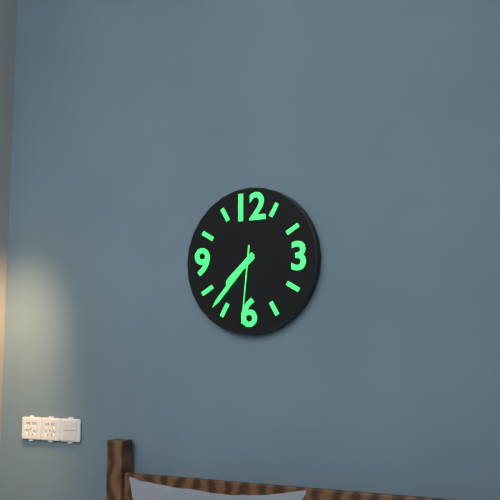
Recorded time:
7 h 37 min 31 s
